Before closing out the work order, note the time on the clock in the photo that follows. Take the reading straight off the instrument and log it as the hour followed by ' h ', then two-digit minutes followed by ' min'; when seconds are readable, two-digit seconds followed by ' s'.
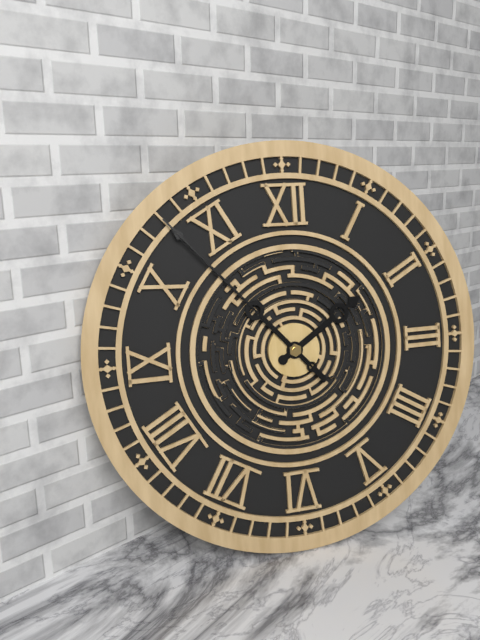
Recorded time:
1 h 53 min 53 s
